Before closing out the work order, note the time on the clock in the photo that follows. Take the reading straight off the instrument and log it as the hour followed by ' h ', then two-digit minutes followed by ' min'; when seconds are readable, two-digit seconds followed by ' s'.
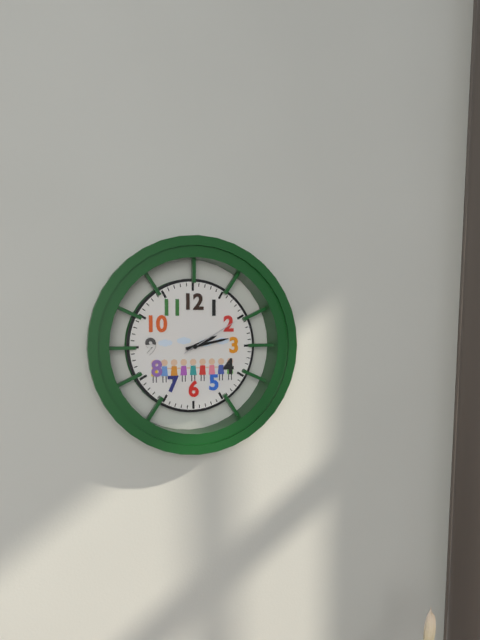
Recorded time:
2 h 13 min 10 s
